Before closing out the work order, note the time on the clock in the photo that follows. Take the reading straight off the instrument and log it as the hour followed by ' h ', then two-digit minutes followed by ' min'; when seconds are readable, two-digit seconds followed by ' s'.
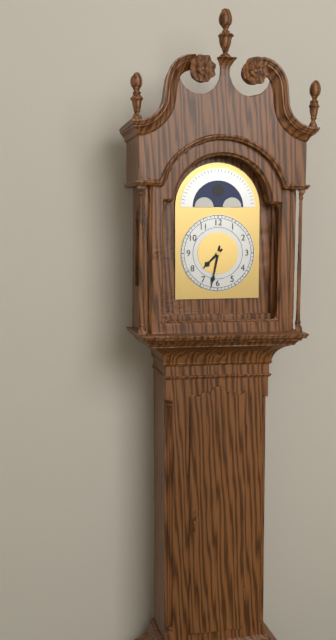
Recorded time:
7 h 32 min
